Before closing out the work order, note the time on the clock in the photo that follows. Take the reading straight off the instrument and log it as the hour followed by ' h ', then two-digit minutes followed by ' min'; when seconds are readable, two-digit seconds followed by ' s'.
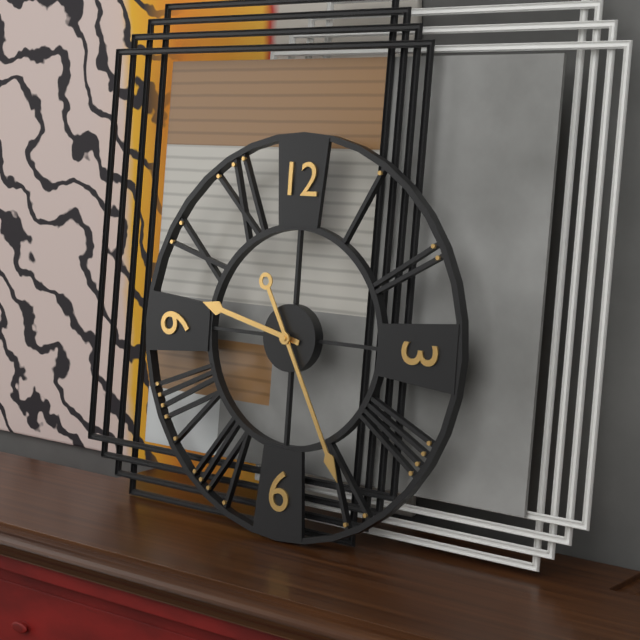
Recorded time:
9 h 25 min
